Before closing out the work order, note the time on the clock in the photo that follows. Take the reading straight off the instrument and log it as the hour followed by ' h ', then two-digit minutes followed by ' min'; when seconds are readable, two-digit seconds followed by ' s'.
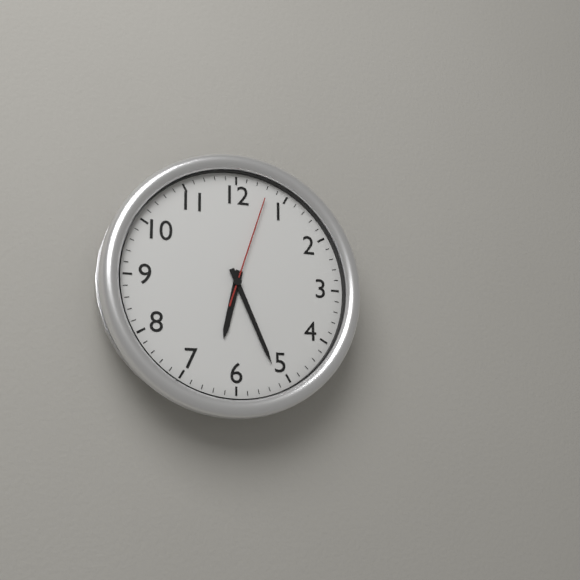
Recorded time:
6 h 26 min 03 s
